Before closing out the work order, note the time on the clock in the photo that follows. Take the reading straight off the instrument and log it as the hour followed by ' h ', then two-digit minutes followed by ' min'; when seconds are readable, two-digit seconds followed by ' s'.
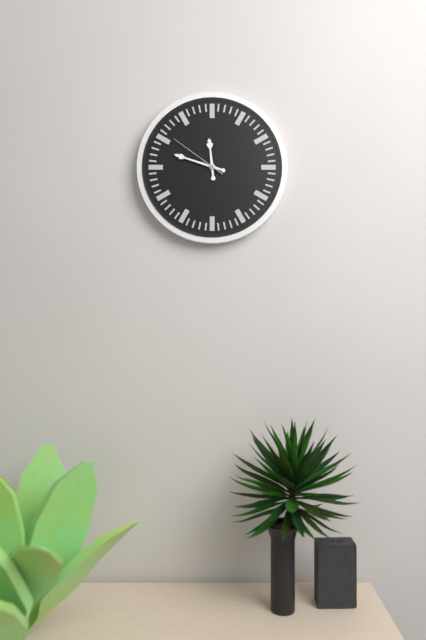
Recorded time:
11 h 48 min 51 s
